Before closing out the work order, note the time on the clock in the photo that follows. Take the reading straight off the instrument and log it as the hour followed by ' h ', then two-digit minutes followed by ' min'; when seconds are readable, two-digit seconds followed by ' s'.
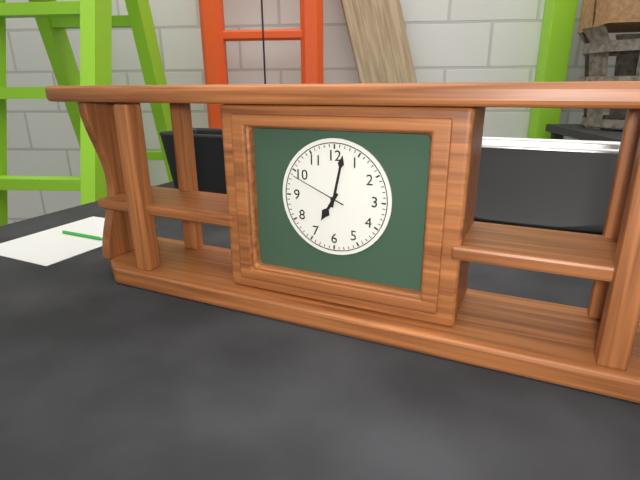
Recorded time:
7 h 02 min 49 s
